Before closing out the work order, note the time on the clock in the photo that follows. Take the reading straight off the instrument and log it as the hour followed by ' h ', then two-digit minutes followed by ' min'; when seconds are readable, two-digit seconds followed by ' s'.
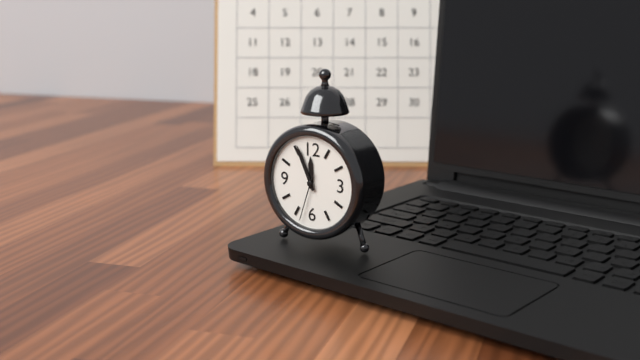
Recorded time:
11 h 56 min 33 s
